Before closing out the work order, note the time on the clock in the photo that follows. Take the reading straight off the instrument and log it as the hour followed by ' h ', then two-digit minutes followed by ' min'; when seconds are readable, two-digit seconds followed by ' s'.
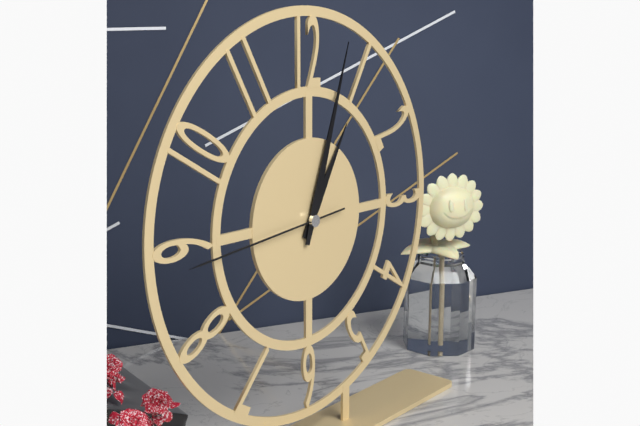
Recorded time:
1 h 03 min 44 s
